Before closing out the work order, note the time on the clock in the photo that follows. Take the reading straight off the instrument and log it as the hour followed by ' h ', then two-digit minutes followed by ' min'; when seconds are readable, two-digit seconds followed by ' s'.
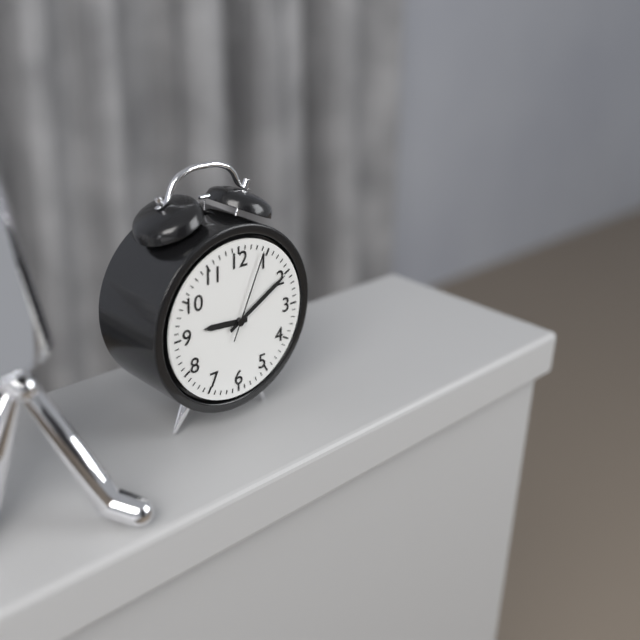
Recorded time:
9 h 10 min 04 s
